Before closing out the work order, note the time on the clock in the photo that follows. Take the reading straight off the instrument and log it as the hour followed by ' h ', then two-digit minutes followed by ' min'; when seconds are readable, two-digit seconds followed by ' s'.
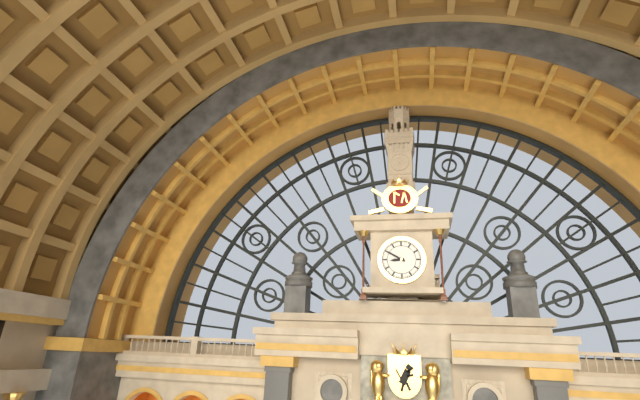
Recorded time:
8 h 50 min
